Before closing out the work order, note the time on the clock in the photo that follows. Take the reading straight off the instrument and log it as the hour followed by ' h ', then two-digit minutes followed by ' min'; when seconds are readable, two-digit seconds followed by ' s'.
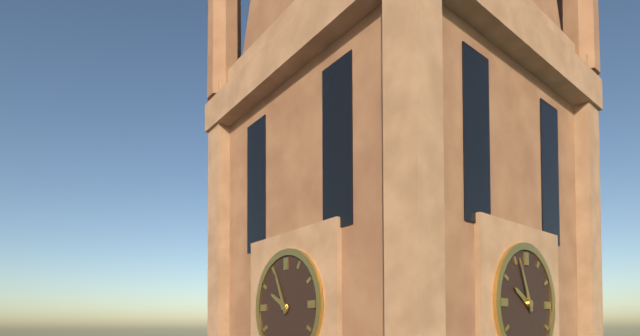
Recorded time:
9 h 56 min
